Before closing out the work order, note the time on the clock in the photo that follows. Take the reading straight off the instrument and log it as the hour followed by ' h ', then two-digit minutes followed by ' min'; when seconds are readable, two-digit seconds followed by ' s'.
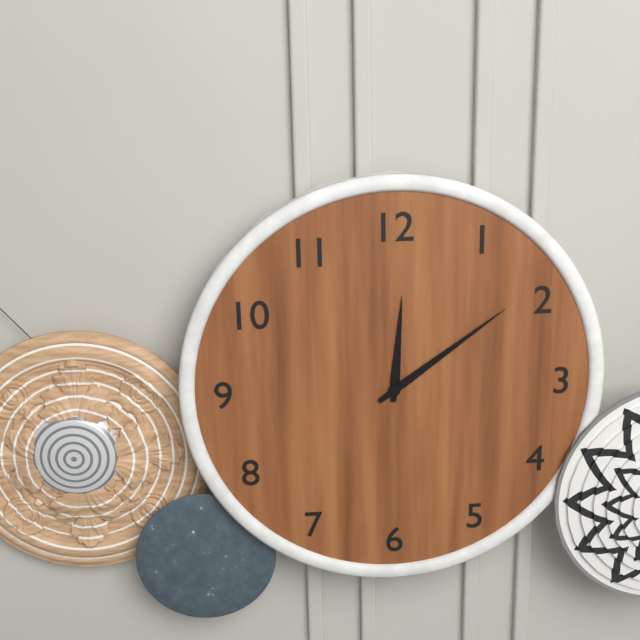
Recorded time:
12 h 09 min
